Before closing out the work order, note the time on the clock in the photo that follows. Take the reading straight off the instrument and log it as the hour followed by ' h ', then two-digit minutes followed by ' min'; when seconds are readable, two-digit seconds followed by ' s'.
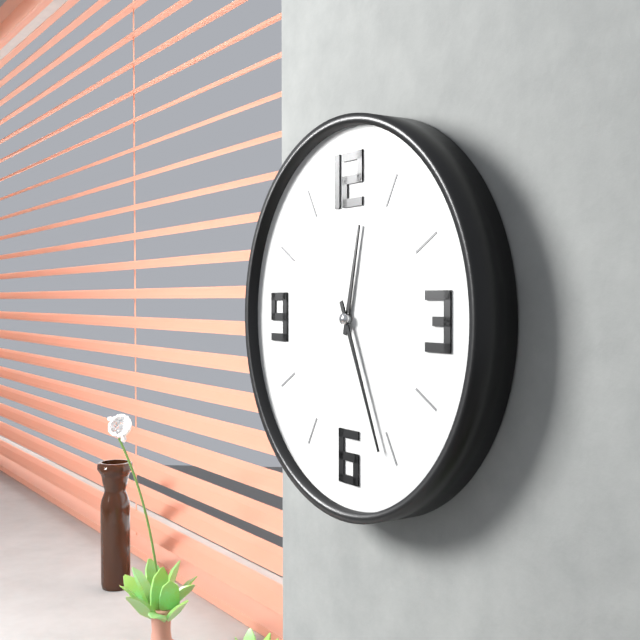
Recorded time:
12 h 26 min
